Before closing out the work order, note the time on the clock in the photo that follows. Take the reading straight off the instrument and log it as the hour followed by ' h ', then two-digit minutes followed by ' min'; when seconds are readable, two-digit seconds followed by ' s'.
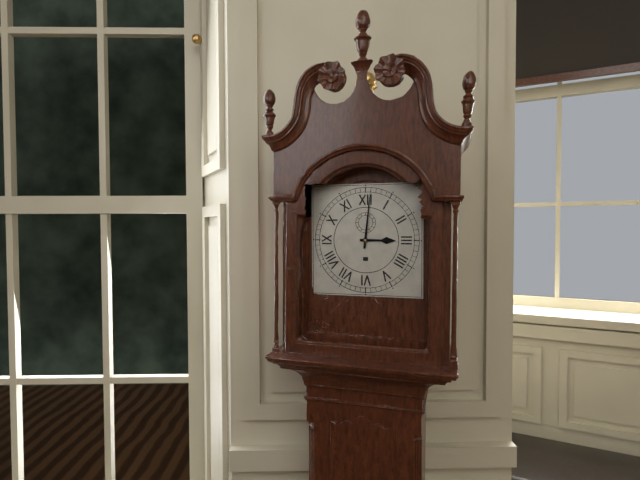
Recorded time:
3 h 01 min
